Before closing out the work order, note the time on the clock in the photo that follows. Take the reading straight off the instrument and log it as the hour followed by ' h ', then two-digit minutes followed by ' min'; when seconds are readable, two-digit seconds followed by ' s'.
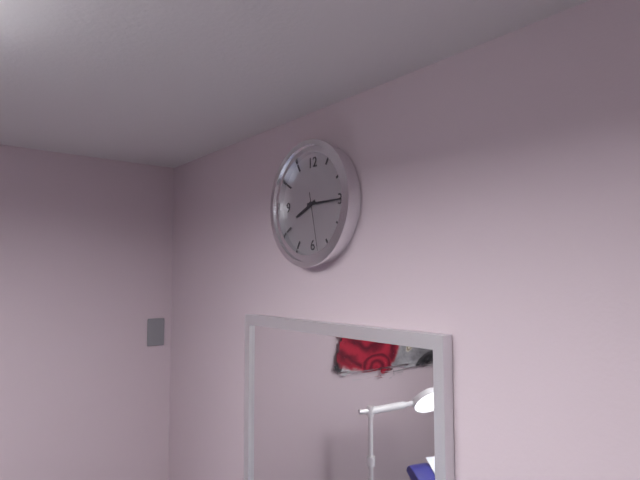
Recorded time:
8 h 15 min 28 s
